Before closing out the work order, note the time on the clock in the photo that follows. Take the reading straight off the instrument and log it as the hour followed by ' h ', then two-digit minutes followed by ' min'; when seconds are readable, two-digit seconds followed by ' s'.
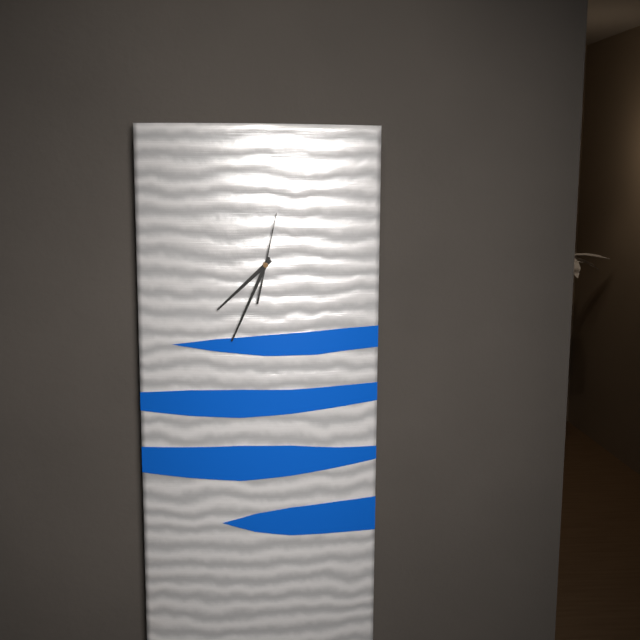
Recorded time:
7 h 34 min 02 s
